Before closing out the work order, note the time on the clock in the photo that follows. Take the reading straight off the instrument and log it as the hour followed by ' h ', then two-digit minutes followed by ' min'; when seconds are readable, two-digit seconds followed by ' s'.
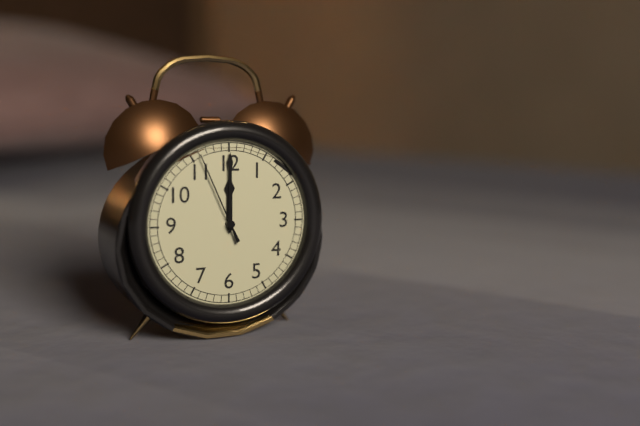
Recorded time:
12 h 00 min 56 s
